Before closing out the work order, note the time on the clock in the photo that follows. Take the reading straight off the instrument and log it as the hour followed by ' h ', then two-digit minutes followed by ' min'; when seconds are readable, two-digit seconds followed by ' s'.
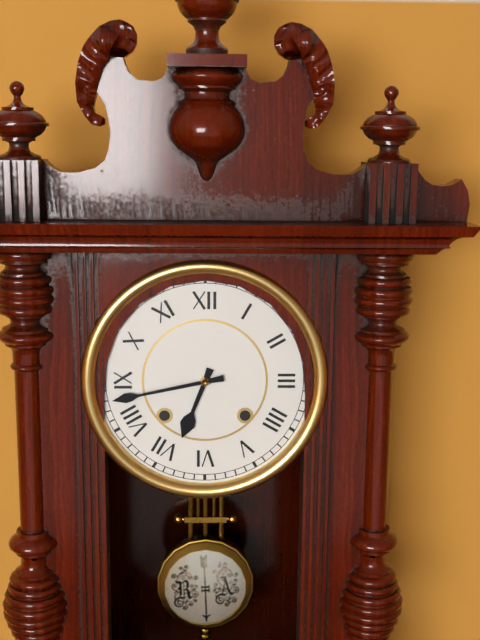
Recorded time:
6 h 43 min
